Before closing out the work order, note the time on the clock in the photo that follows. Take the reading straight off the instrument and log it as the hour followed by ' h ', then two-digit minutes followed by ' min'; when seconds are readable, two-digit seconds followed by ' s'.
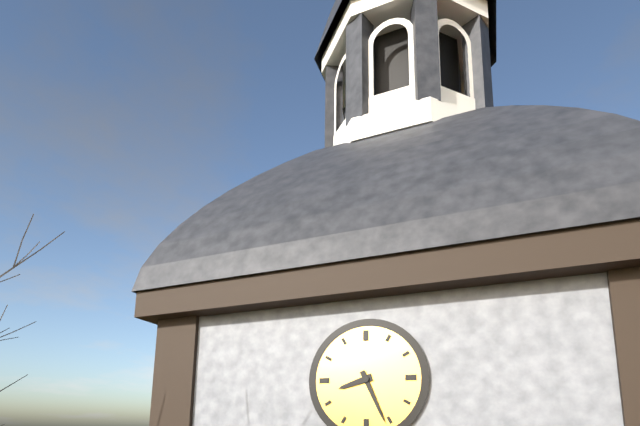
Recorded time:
8 h 26 min
